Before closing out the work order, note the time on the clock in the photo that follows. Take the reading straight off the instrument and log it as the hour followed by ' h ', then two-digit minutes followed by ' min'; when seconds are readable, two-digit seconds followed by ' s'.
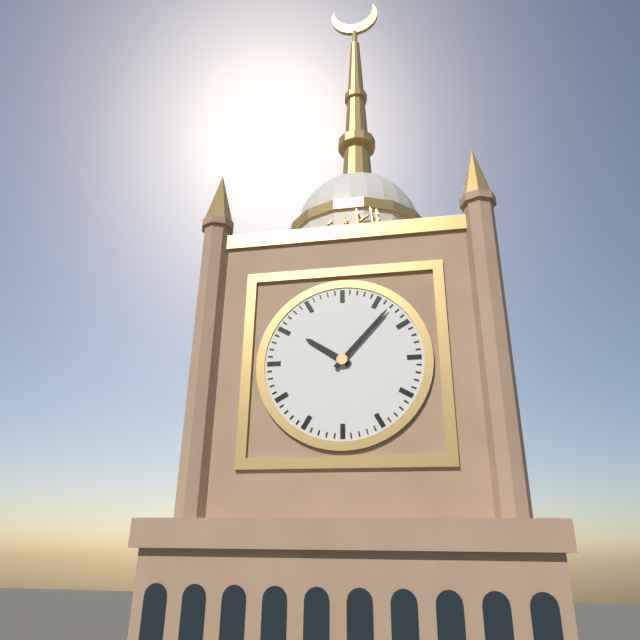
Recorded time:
10 h 07 min
